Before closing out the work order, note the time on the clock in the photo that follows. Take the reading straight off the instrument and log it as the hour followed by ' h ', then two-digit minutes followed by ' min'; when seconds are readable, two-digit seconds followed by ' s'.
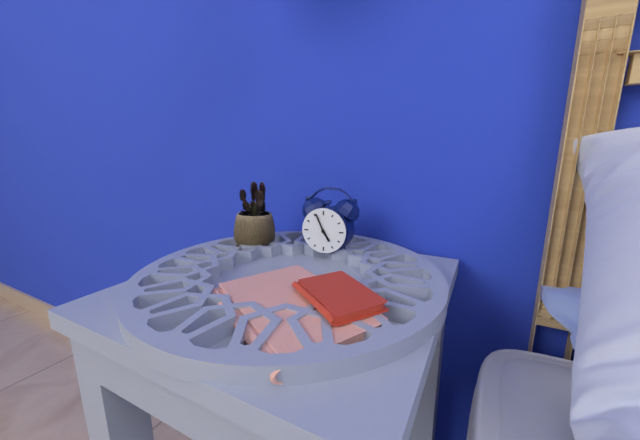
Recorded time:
4 h 56 min
